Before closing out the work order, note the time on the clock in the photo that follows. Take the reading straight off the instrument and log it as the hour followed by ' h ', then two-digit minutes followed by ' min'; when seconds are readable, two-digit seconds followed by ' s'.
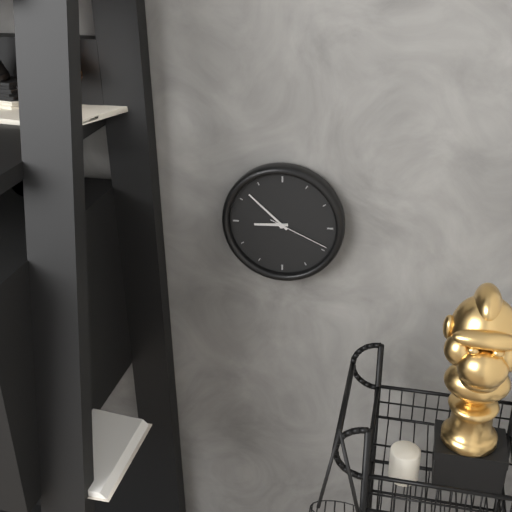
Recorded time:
8 h 52 min 19 s
